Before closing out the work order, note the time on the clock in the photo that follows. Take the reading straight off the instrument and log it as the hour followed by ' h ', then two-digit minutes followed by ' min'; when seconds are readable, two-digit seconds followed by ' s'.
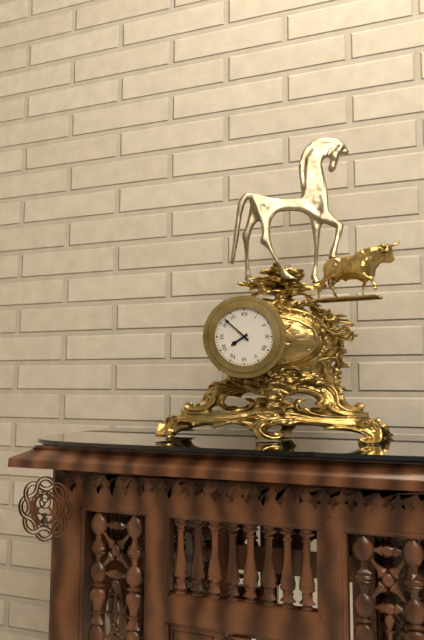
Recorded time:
7 h 52 min
